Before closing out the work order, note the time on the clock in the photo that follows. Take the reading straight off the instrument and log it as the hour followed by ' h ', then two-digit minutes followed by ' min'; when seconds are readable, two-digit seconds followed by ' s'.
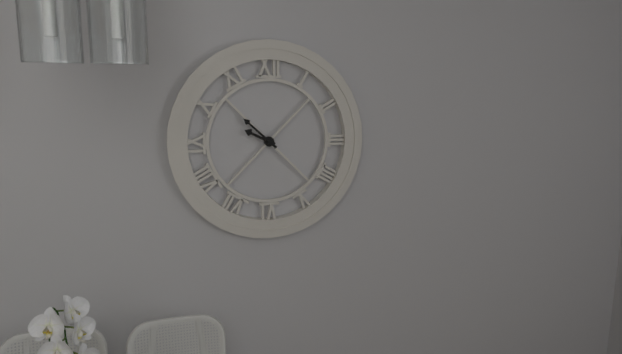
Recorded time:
9 h 52 min
